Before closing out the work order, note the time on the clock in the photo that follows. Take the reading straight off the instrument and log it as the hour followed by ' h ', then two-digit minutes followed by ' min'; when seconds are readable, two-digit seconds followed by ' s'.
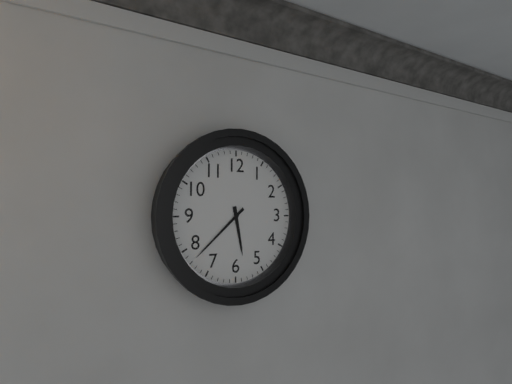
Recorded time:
5 h 38 min
